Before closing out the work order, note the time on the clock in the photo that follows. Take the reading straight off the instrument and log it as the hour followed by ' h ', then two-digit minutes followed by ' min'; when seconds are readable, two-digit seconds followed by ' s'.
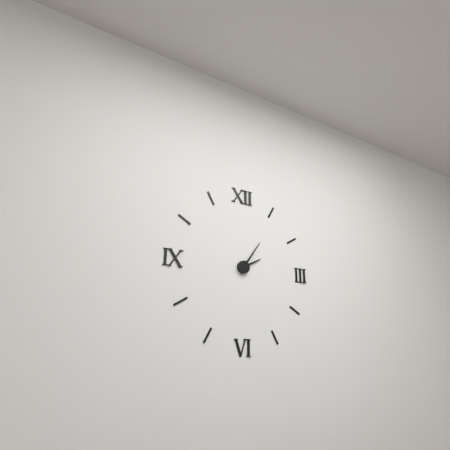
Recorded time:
2 h 06 min
